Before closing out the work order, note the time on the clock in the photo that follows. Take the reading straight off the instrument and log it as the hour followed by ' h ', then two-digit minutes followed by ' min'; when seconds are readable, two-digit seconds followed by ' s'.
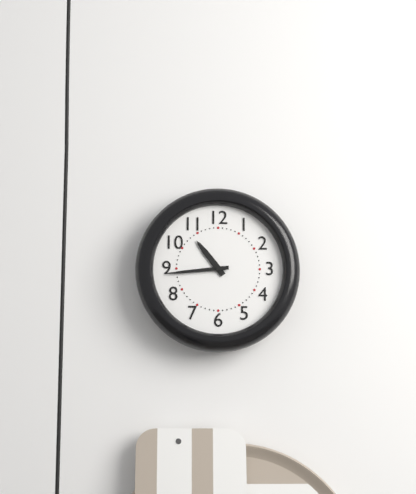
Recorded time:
10 h 44 min
